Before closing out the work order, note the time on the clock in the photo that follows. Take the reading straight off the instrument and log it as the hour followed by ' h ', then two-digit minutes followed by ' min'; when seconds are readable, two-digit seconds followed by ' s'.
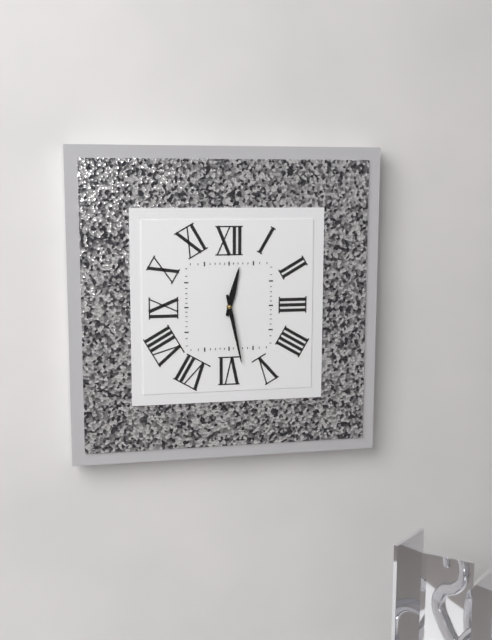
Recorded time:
12 h 28 min
